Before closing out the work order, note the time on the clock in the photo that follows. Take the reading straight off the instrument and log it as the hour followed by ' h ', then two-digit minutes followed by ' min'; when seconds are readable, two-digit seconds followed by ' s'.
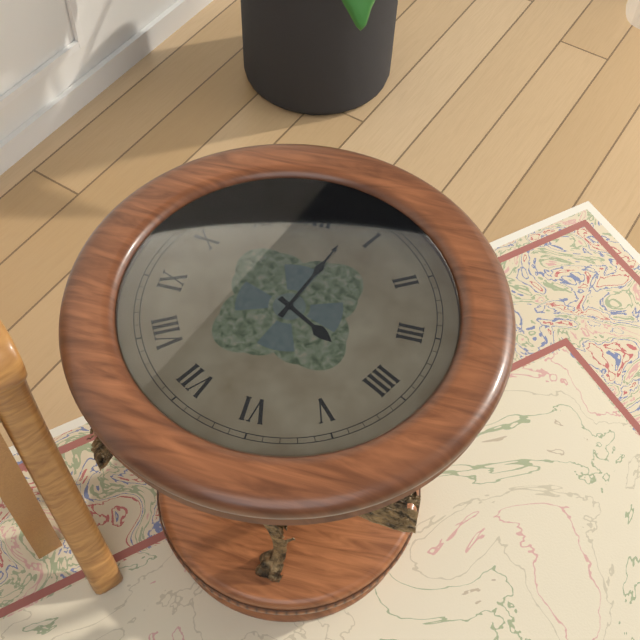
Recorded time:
4 h 03 min
